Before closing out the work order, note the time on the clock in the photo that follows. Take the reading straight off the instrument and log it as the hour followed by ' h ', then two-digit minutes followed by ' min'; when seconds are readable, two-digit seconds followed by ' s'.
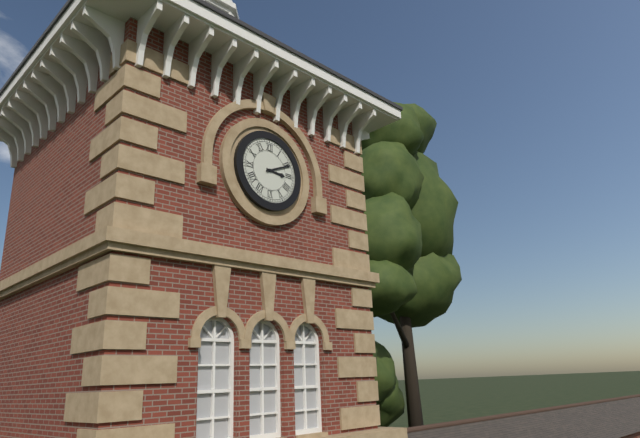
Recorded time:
3 h 11 min
